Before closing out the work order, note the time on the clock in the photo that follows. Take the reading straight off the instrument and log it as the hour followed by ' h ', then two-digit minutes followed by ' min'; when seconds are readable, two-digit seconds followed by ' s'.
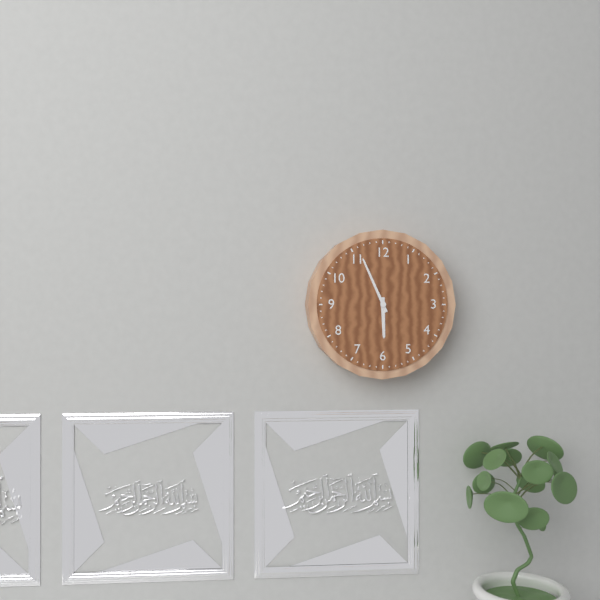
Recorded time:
5 h 56 min
